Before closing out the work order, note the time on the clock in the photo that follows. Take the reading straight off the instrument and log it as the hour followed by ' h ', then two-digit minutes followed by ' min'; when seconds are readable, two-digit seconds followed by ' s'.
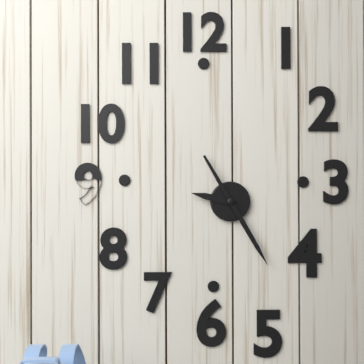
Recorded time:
9 h 25 min
